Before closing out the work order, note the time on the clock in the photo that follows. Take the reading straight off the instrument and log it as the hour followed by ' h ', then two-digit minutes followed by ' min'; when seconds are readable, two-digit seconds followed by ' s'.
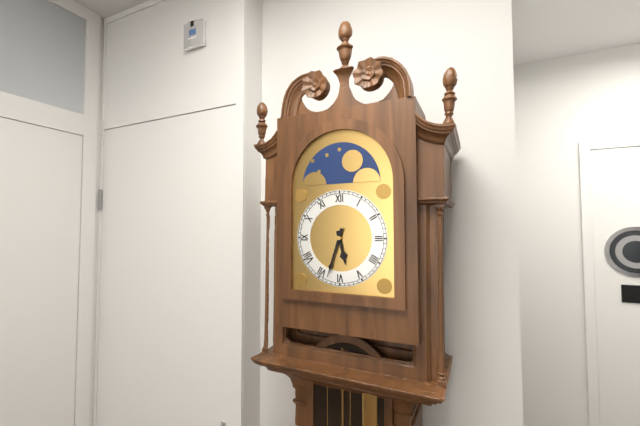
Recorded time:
5 h 33 min
